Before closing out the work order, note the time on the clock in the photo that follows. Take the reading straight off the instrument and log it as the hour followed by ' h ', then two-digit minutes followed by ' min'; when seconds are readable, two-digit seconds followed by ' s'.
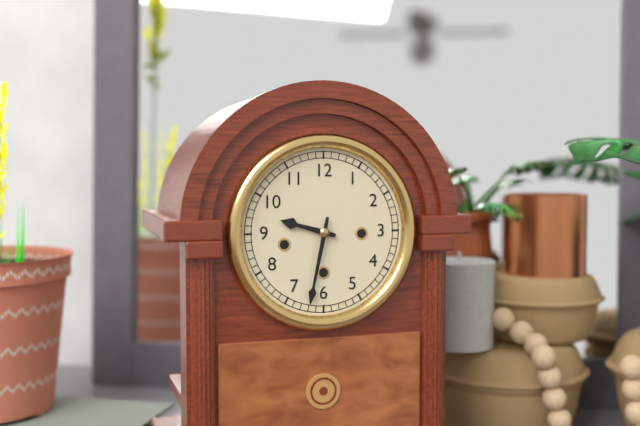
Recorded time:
9 h 32 min
